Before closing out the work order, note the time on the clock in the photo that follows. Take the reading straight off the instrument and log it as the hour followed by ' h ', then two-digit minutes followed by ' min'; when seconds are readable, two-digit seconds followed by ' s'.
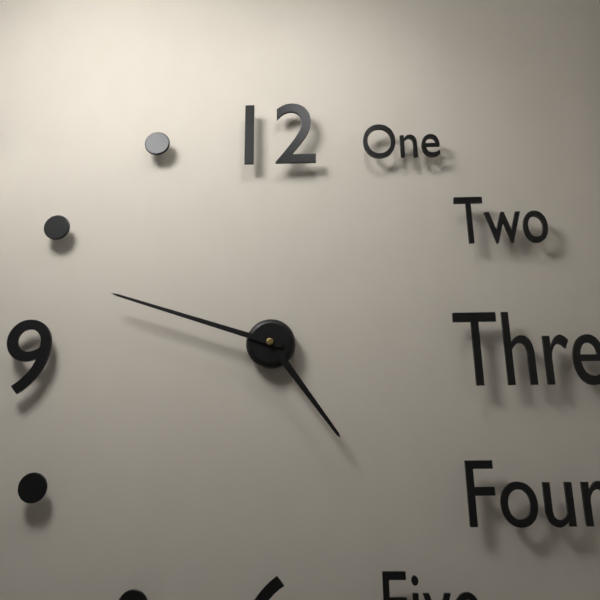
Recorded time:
4 h 48 min
